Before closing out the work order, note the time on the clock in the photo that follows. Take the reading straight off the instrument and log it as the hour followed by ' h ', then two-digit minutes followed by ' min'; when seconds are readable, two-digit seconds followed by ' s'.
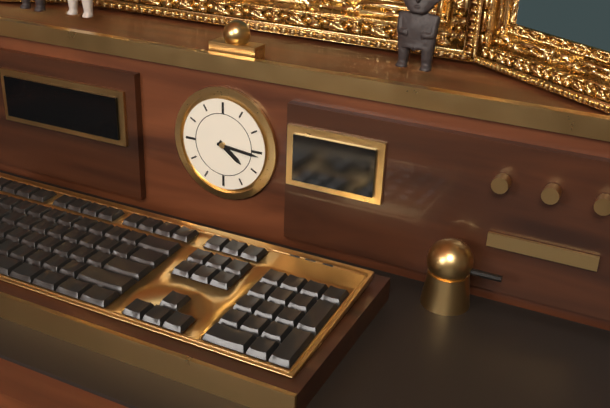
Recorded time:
4 h 16 min
